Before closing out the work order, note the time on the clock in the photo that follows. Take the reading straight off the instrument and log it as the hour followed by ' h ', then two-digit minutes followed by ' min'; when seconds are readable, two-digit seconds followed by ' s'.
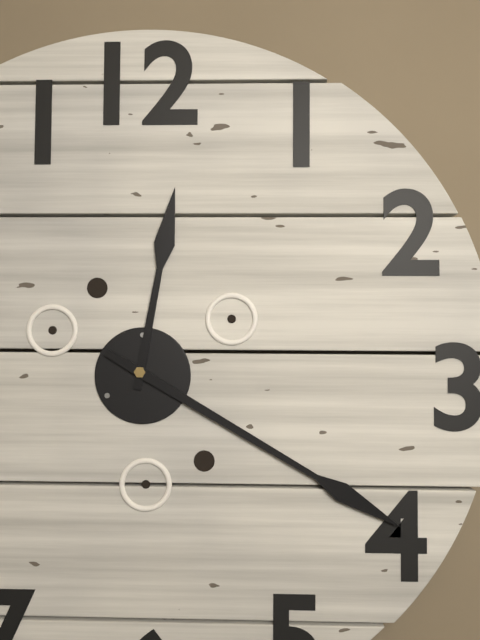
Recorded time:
12 h 20 min
